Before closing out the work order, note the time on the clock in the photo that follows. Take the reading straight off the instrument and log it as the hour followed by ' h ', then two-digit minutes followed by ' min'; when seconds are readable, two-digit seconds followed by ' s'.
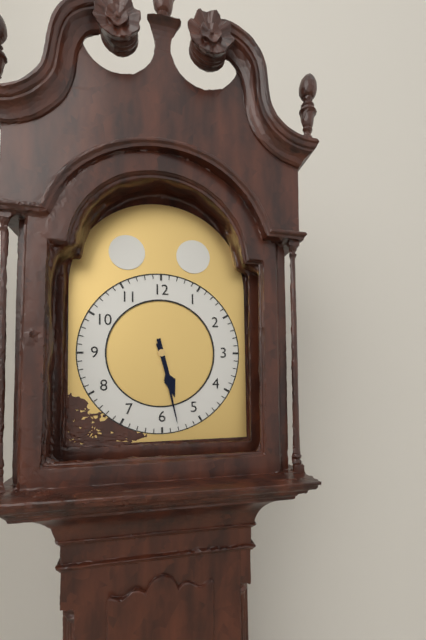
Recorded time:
5 h 28 min
